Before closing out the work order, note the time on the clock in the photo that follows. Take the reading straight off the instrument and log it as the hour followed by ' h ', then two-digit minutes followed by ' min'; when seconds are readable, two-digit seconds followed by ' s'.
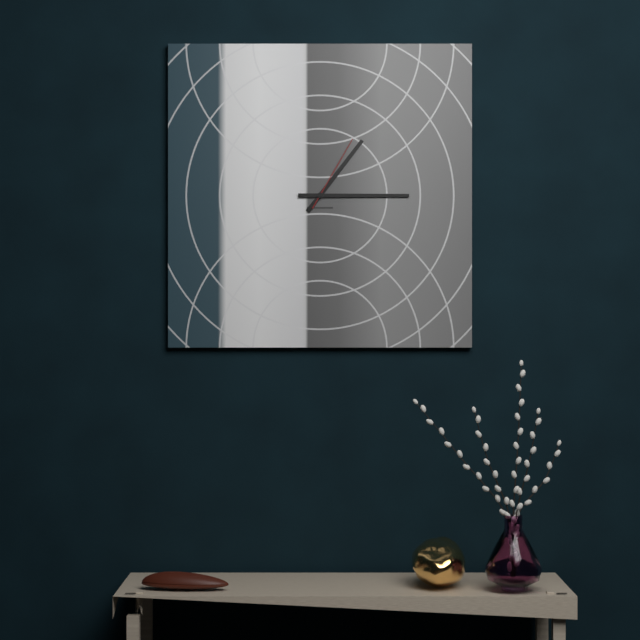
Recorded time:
1 h 15 min 05 s
